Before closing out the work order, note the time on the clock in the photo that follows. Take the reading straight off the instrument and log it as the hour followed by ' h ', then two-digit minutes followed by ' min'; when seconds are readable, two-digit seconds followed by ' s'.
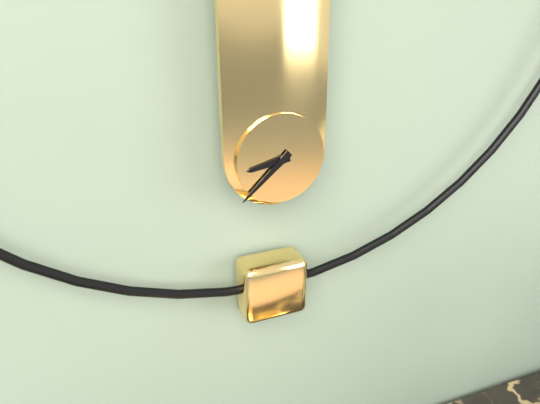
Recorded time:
8 h 38 min
